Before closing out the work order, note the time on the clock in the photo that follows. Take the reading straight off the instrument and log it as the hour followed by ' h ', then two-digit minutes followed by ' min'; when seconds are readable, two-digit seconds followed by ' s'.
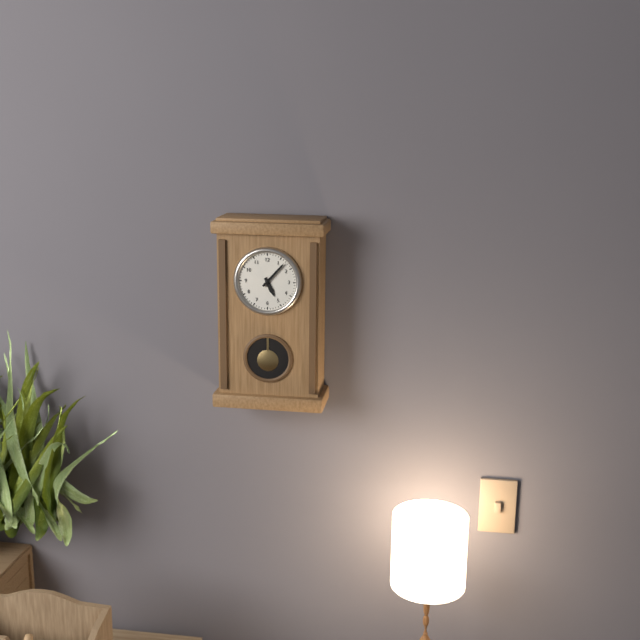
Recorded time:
5 h 07 min
